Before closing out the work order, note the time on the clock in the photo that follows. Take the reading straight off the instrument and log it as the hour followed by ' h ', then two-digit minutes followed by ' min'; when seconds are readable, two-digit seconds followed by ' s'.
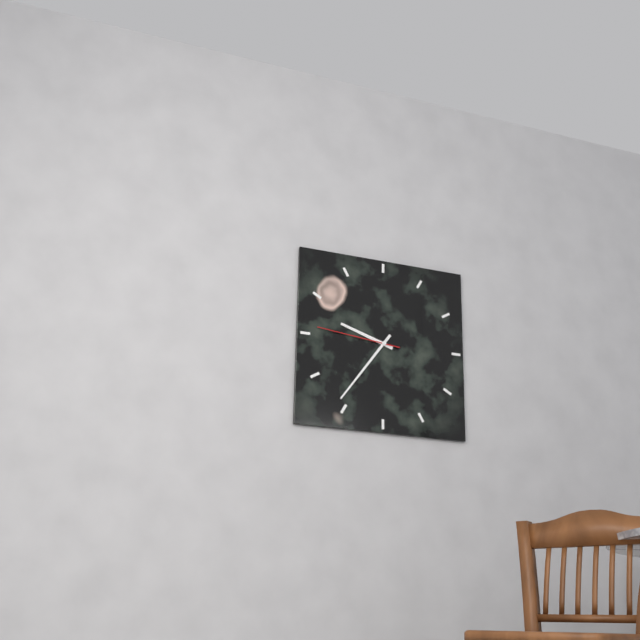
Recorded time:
9 h 36 min 46 s
